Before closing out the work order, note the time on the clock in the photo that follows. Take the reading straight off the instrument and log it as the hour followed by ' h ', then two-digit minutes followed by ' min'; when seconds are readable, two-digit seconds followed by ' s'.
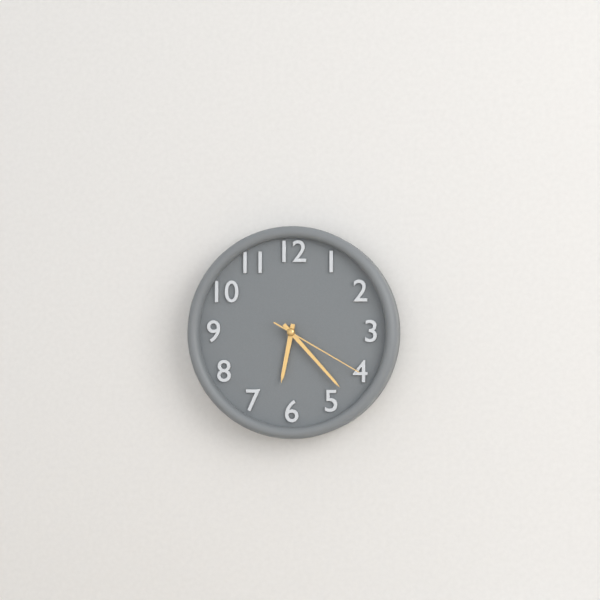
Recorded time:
6 h 23 min 20 s
